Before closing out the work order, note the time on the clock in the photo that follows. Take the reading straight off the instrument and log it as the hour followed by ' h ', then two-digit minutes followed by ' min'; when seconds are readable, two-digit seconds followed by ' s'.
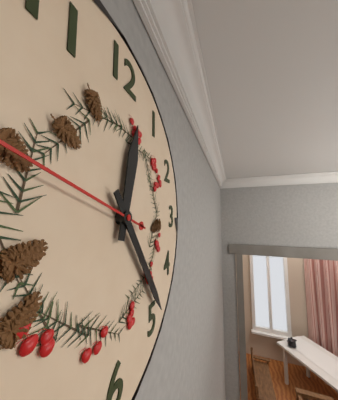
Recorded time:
12 h 24 min
